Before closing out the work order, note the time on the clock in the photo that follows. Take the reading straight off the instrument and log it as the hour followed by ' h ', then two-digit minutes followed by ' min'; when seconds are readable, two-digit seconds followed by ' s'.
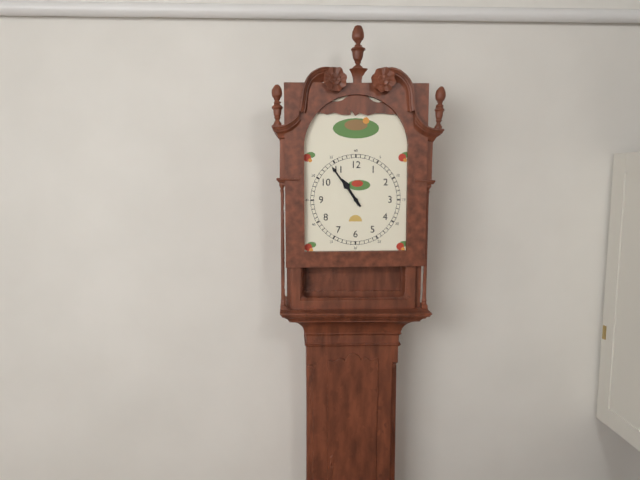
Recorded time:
10 h 54 min
